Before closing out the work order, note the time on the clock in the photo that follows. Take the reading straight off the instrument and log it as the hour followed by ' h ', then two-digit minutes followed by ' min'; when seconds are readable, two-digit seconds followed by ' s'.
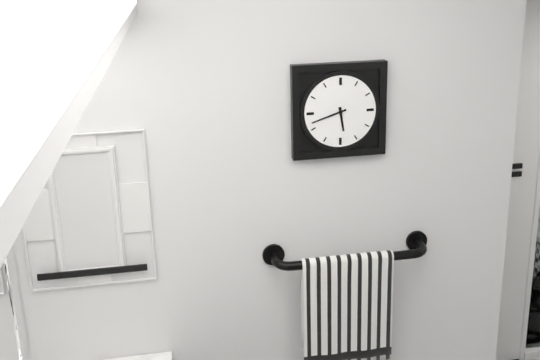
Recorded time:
5 h 42 min
